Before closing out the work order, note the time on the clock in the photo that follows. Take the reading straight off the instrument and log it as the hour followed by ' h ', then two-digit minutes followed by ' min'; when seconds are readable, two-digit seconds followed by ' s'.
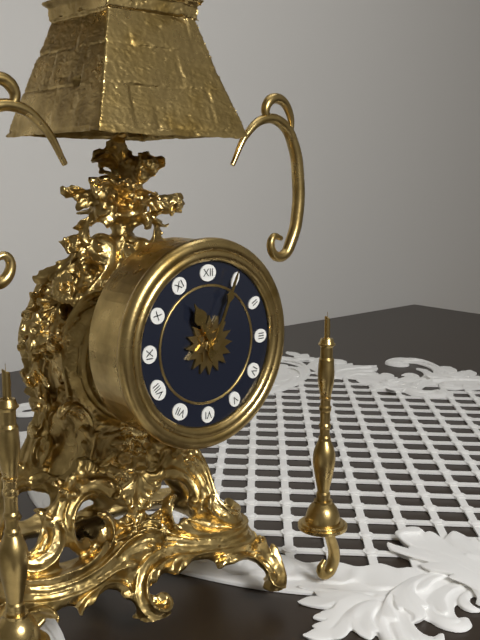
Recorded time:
11 h 04 min
